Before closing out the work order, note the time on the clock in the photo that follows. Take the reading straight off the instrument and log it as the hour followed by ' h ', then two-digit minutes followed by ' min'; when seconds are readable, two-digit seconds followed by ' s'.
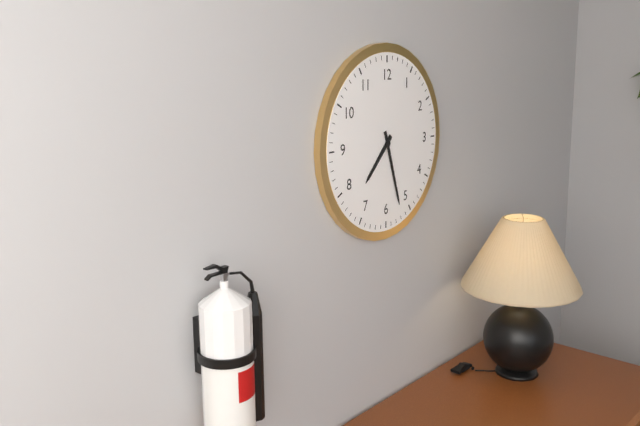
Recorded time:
7 h 27 min
